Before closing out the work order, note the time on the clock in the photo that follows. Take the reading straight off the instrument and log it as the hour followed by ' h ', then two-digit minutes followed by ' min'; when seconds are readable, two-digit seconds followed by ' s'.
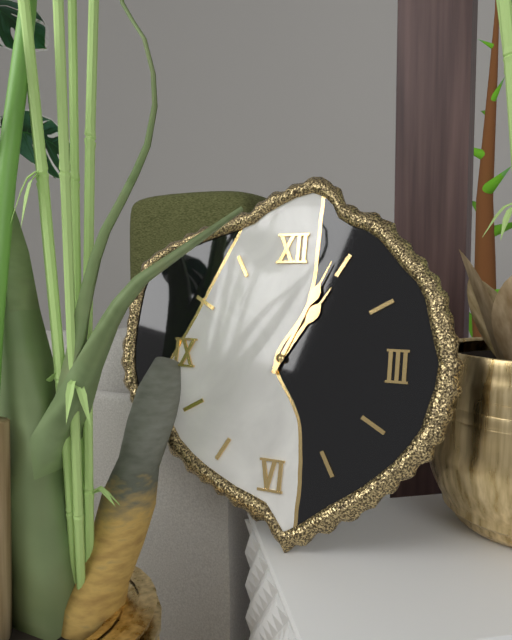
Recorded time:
1 h 04 min
